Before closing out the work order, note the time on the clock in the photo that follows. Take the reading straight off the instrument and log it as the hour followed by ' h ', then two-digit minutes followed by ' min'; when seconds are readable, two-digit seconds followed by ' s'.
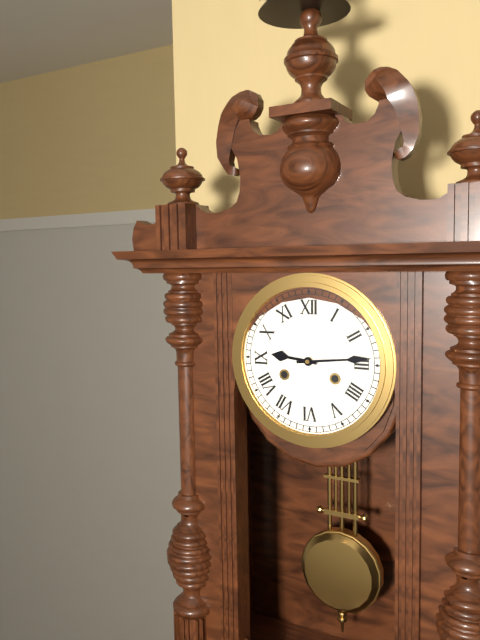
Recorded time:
9 h 14 min
